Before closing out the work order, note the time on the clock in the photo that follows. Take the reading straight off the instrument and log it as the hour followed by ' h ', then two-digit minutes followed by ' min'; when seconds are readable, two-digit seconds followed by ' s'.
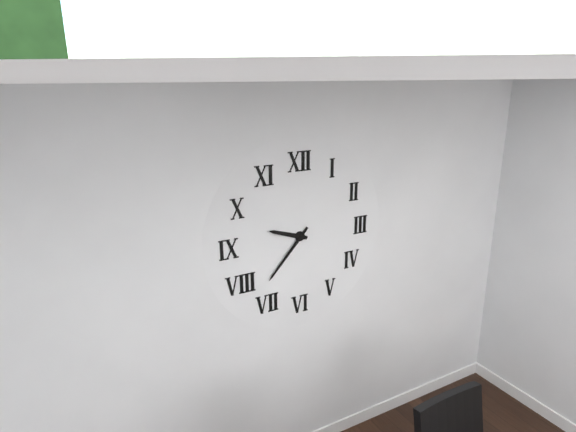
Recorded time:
9 h 37 min
